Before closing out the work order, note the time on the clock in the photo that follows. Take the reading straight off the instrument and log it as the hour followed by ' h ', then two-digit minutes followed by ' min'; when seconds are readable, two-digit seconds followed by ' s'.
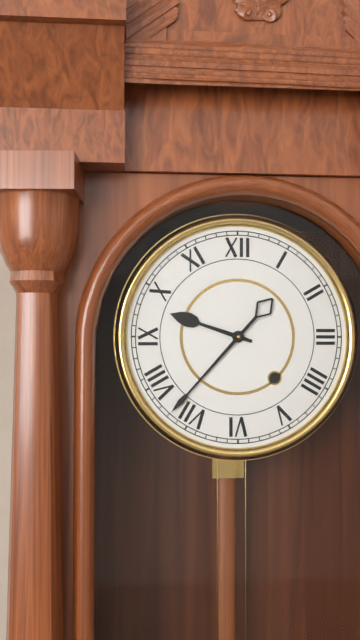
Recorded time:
9 h 37 min
